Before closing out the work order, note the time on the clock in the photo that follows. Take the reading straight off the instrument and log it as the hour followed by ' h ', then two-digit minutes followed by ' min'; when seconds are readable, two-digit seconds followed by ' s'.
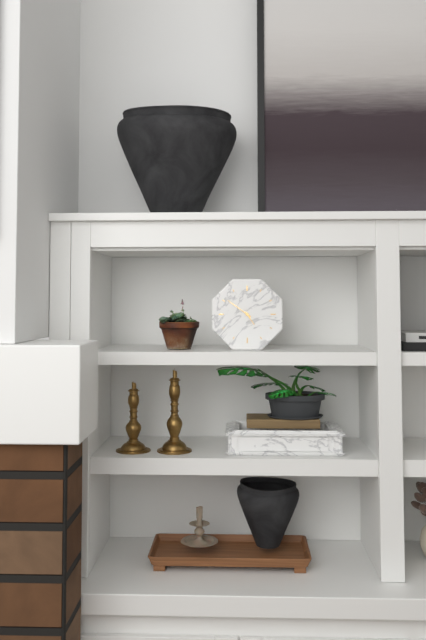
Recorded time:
4 h 51 min
